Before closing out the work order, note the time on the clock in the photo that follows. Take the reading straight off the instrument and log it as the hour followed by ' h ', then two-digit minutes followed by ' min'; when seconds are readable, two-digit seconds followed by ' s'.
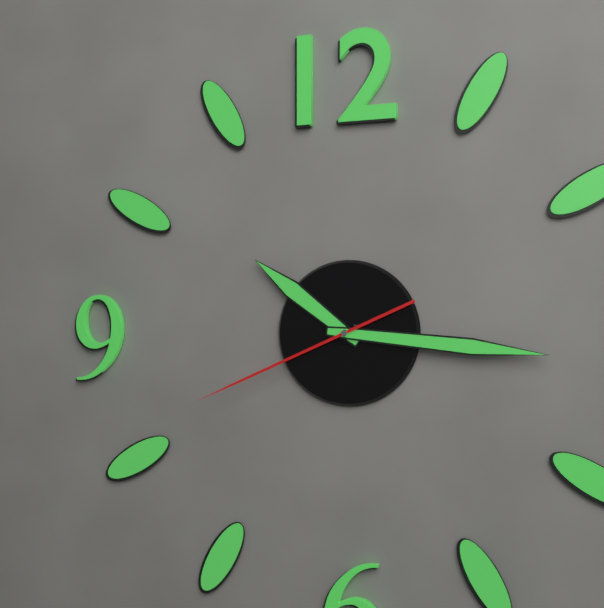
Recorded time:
10 h 16 min 41 s
